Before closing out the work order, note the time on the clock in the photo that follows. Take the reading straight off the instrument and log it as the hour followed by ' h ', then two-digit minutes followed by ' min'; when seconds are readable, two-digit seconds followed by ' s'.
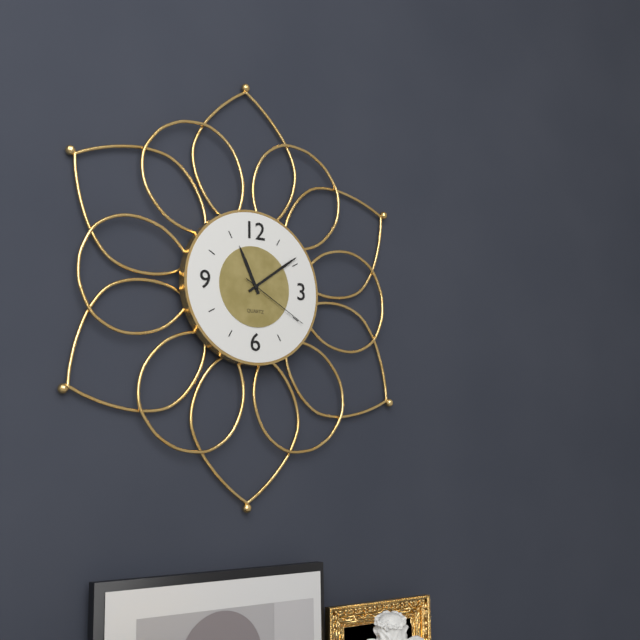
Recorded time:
11 h 09 min 20 s
